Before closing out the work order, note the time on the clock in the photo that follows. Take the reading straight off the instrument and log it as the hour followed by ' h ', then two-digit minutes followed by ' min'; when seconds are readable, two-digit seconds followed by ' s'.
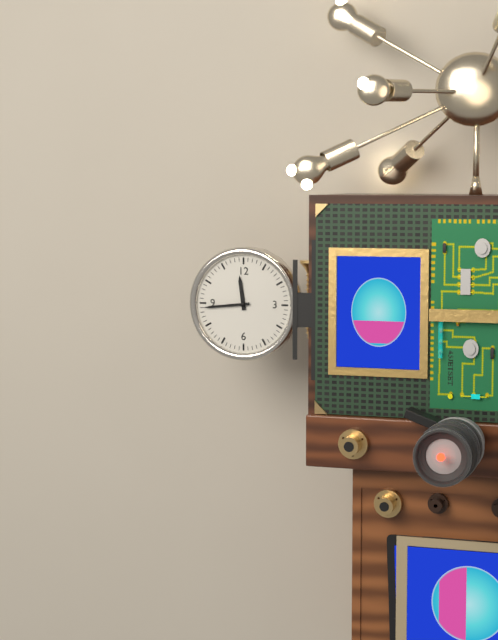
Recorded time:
11 h 44 min
